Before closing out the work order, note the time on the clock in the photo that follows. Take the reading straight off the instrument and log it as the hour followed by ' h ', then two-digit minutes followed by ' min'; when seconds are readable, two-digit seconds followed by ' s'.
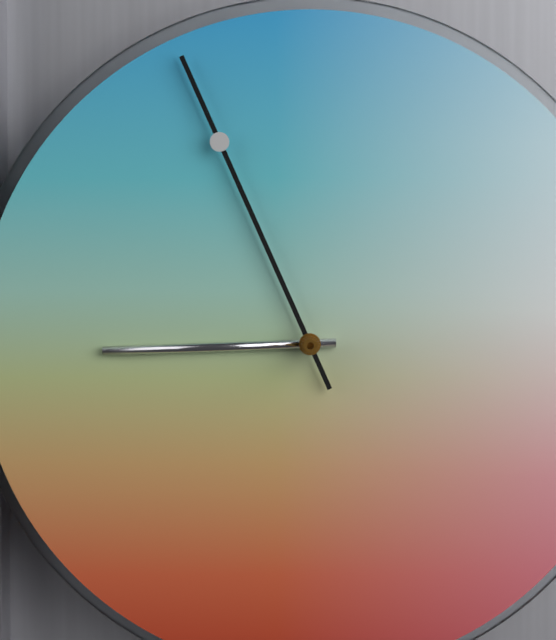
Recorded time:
8 h 56 min
